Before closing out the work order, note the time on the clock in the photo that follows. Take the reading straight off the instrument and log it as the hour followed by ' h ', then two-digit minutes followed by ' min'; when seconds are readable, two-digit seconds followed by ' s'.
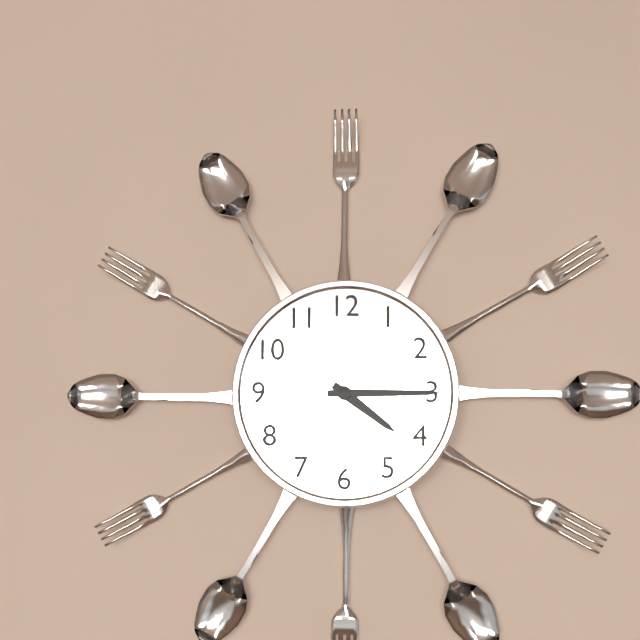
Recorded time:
4 h 15 min
